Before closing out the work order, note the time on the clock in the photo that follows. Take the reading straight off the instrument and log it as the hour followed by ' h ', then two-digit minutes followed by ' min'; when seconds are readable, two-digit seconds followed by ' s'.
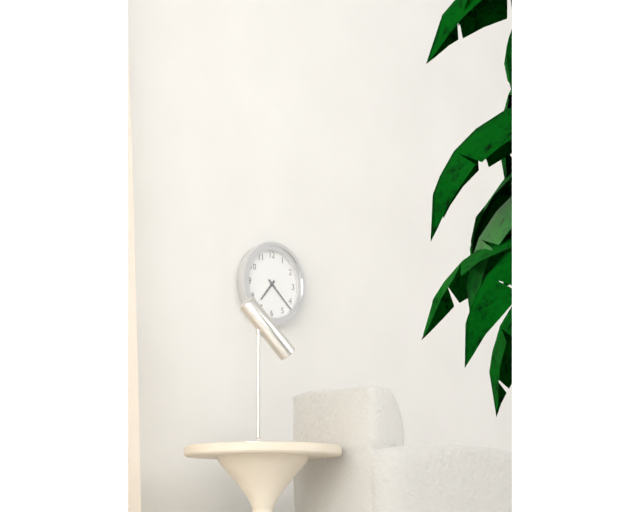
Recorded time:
7 h 22 min
